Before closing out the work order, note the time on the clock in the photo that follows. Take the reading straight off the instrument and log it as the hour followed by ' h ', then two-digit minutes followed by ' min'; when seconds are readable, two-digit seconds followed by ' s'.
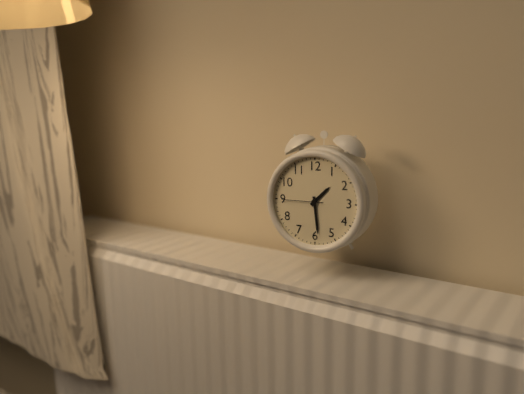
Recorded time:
1 h 29 min
